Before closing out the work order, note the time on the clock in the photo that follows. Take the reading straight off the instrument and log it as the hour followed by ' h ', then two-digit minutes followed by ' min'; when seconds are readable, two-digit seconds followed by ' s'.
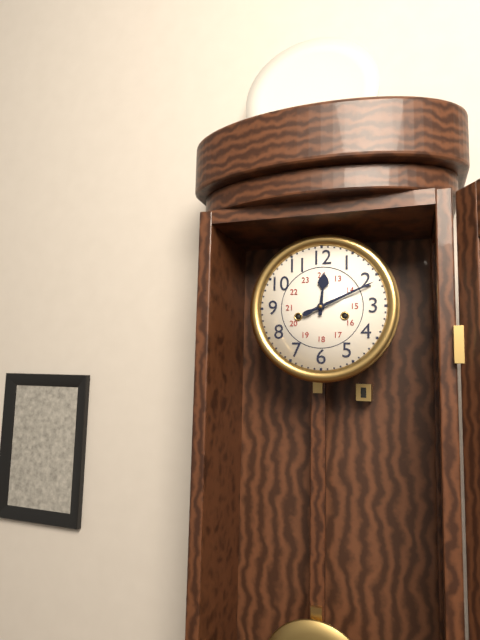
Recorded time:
12 h 11 min
